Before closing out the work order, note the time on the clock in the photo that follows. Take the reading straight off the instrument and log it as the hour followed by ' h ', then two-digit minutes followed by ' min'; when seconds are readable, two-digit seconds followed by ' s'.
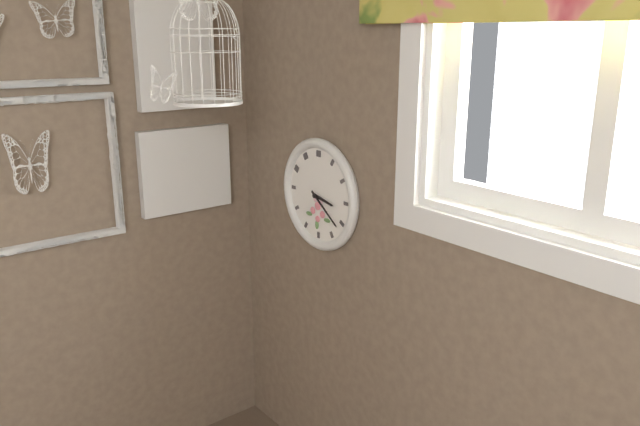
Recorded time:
3 h 21 min
